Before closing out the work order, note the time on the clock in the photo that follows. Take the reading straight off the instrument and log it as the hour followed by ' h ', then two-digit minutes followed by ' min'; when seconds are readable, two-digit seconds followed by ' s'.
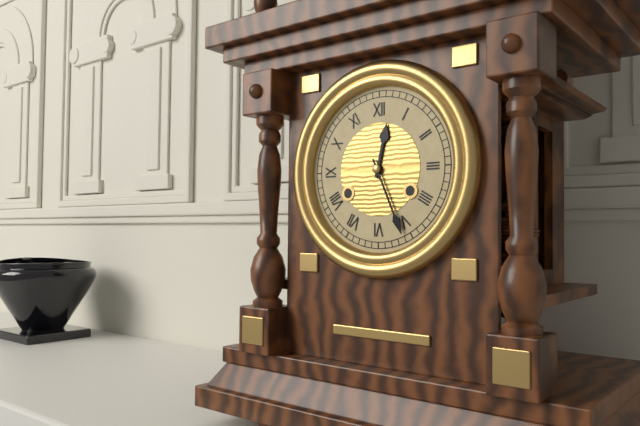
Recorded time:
12 h 26 min
